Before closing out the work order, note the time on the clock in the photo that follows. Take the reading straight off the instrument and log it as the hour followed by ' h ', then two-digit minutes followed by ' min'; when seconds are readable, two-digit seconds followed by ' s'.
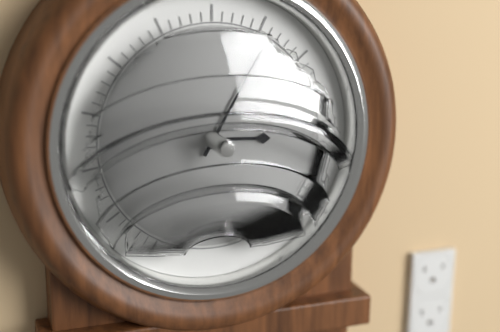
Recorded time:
3 h 05 min
